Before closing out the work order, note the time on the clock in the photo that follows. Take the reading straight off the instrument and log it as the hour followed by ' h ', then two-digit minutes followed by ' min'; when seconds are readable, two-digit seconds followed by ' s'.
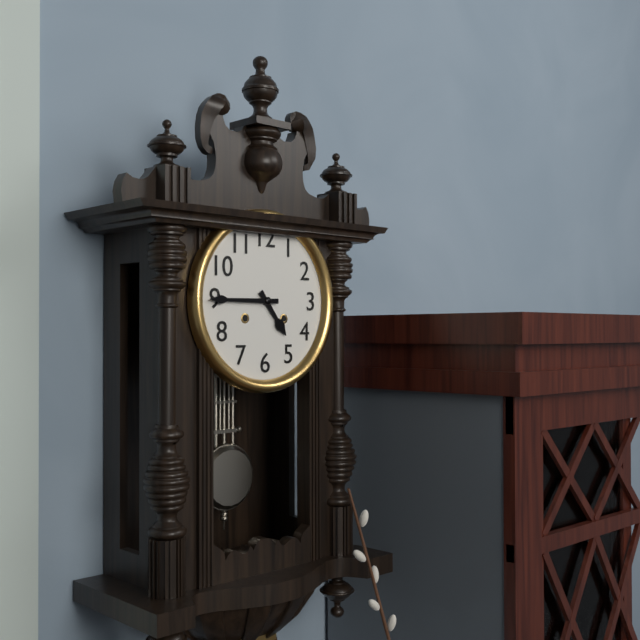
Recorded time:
4 h 45 min
